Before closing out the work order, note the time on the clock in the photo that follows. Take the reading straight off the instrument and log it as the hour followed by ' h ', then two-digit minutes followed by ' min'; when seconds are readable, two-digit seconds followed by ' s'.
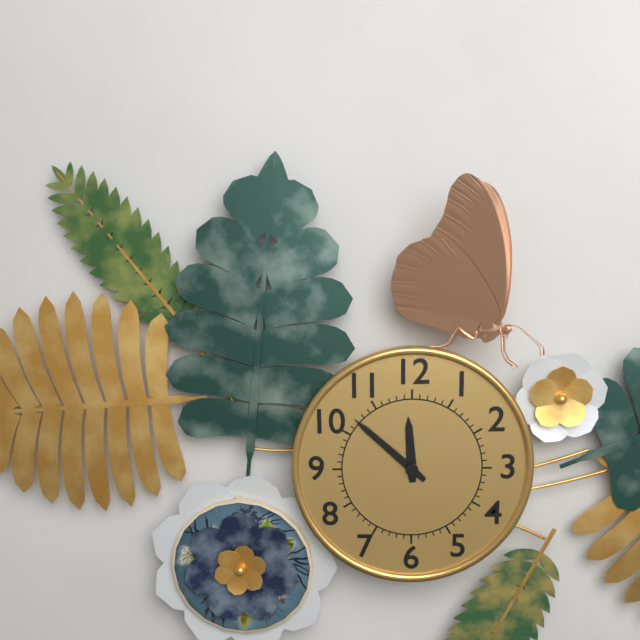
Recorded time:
11 h 52 min
